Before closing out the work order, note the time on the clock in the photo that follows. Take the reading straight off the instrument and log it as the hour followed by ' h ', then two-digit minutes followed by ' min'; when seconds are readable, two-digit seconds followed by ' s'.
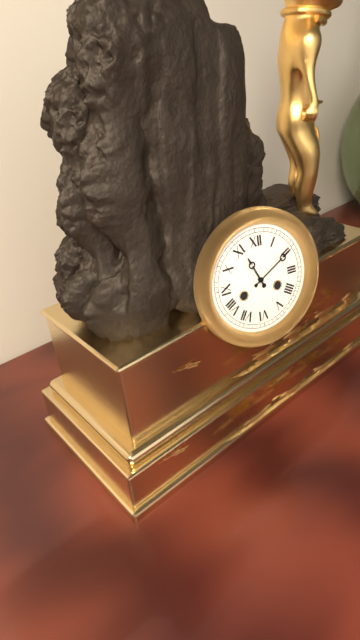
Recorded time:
11 h 10 min
